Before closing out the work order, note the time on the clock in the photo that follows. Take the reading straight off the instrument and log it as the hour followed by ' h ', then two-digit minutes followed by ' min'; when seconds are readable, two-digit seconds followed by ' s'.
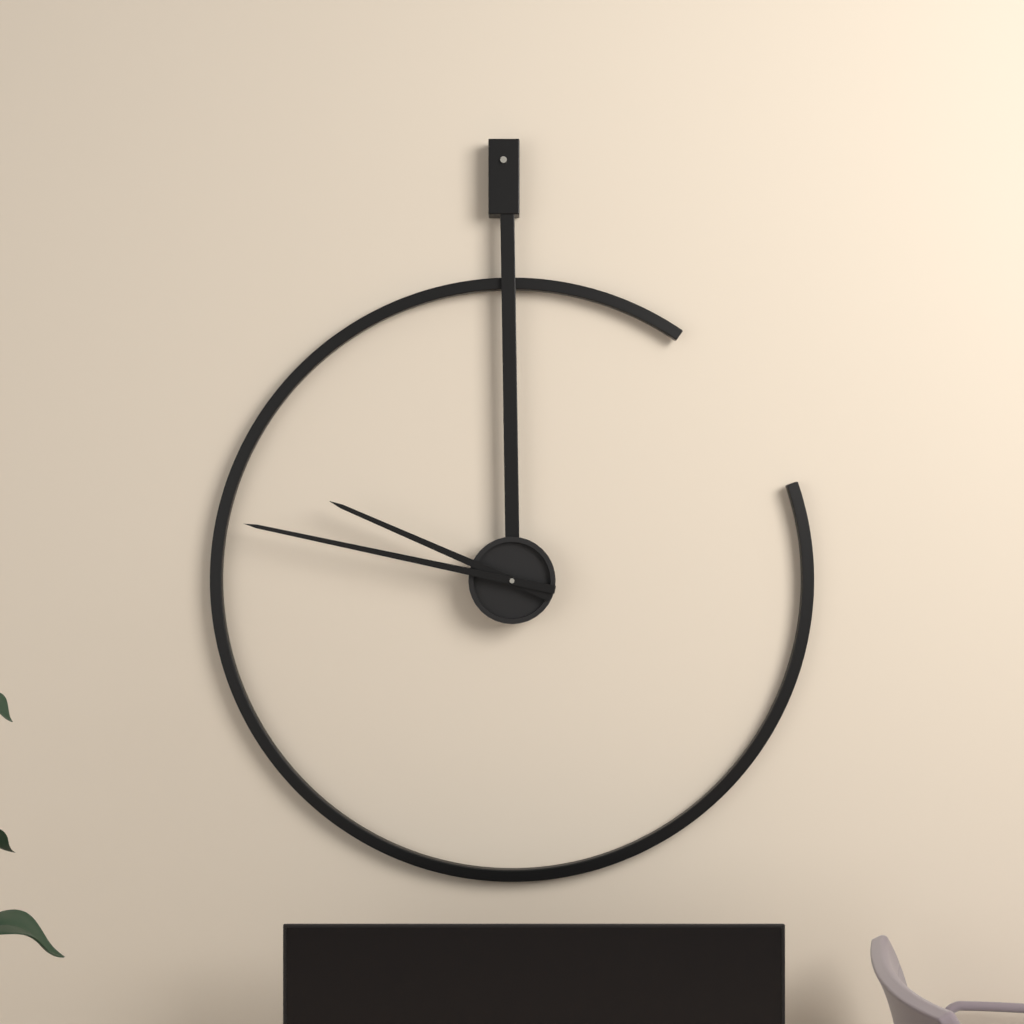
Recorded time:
9 h 47 min
